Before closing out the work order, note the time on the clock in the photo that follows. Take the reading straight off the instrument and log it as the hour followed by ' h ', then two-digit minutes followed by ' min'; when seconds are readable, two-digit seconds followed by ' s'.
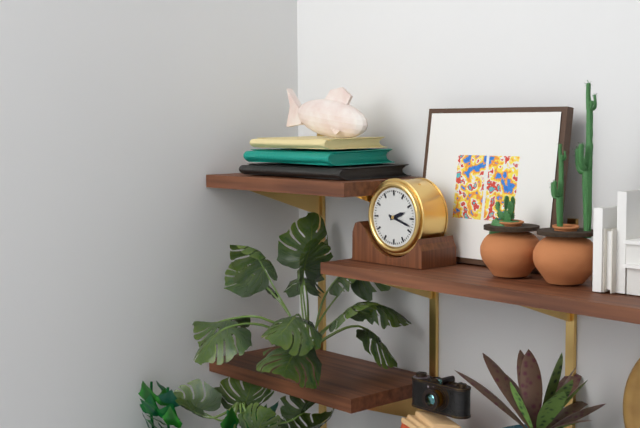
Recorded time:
2 h 18 min
